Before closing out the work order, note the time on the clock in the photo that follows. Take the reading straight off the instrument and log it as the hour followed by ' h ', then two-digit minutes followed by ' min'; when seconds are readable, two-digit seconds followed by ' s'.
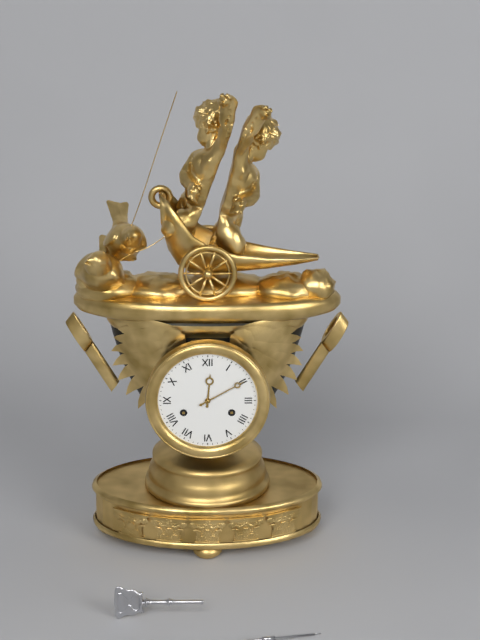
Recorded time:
12 h 10 min
